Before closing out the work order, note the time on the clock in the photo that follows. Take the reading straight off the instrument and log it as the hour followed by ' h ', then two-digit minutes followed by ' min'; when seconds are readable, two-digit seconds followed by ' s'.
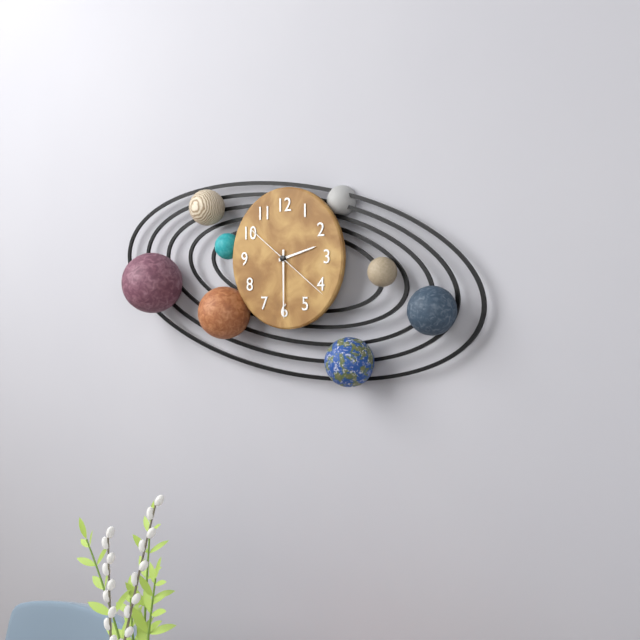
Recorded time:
2 h 30 min 21 s
